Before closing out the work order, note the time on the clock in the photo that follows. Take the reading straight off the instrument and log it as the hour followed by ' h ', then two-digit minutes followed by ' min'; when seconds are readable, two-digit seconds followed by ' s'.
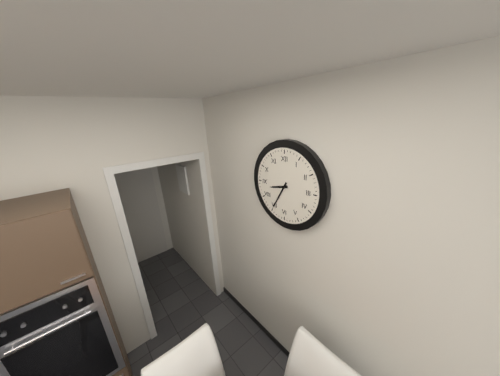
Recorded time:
8 h 35 min
